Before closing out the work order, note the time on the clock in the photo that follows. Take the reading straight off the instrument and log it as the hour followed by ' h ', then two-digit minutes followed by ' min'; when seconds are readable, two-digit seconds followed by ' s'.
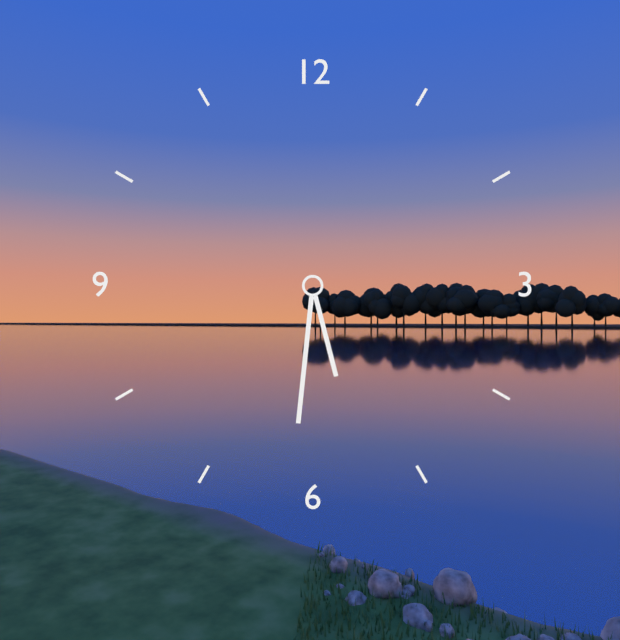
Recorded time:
5 h 31 min
